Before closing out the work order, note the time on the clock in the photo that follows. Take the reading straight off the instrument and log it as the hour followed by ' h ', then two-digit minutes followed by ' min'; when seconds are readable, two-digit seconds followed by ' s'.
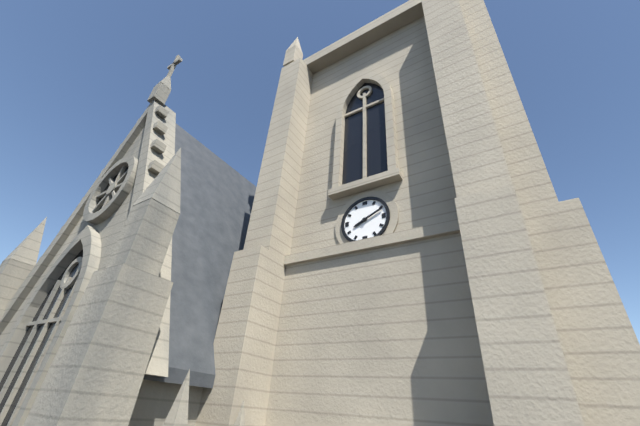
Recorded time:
8 h 11 min
